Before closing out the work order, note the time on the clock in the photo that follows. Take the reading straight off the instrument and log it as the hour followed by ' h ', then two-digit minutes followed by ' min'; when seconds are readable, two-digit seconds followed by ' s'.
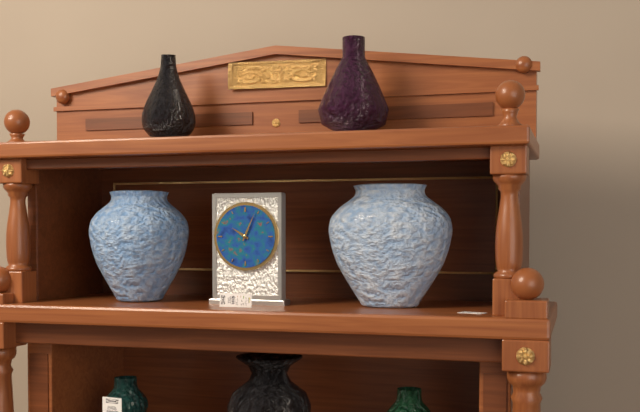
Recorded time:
10 h 04 min
